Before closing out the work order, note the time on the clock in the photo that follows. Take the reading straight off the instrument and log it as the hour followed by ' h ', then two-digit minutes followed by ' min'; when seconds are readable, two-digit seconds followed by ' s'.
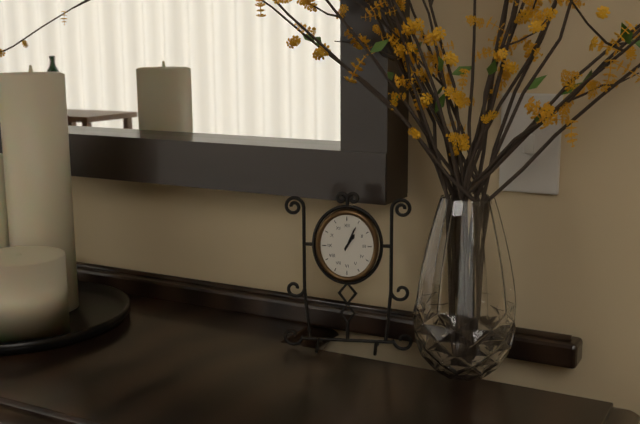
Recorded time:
1 h 04 min
